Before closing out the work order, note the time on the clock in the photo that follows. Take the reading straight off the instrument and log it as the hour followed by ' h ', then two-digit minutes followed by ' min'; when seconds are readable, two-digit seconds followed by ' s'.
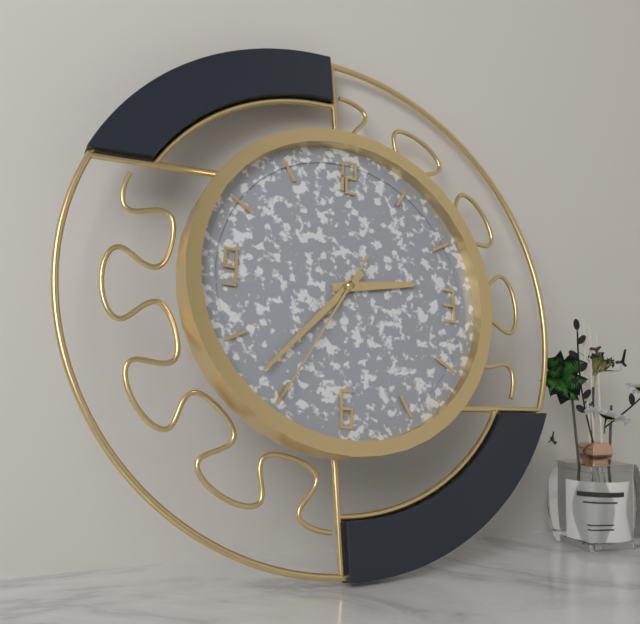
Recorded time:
2 h 37 min 35 s
